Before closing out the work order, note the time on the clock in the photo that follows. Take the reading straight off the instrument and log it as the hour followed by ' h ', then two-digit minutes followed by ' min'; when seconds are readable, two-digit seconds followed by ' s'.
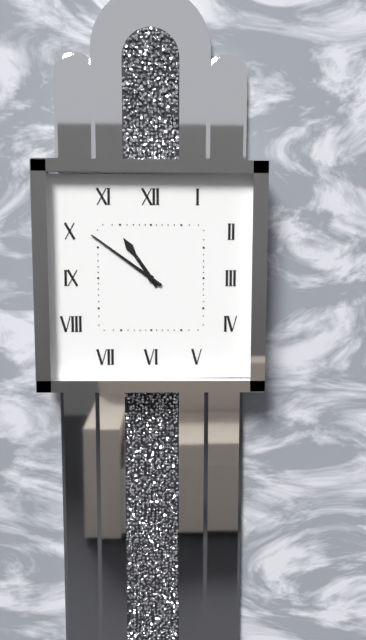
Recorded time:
10 h 51 min
